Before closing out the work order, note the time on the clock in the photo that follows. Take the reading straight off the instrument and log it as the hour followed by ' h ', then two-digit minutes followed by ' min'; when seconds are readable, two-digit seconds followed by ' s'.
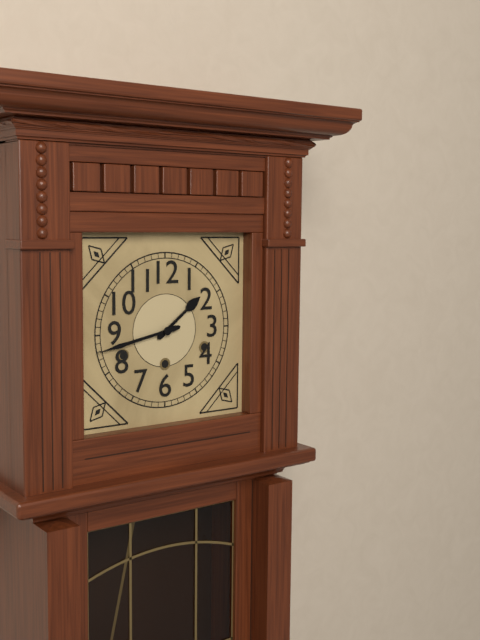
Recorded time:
1 h 43 min
